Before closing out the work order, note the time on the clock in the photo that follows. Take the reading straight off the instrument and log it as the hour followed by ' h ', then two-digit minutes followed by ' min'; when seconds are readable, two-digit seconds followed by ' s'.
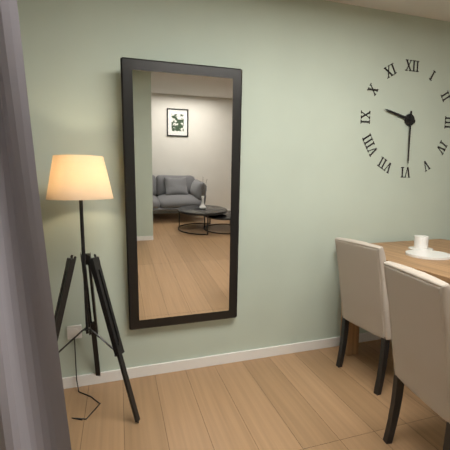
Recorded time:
9 h 30 min
